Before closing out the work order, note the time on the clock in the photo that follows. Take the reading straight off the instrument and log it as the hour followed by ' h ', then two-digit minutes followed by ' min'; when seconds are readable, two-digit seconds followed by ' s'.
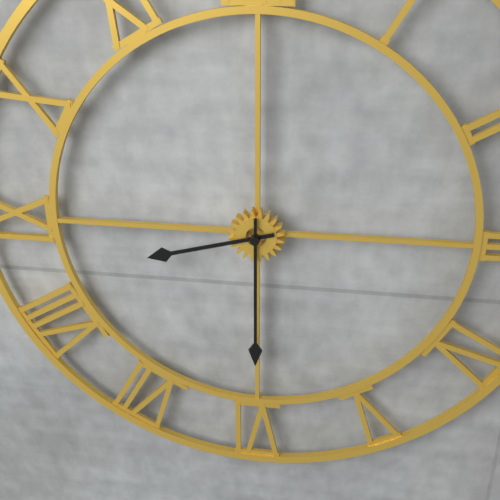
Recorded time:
8 h 30 min
